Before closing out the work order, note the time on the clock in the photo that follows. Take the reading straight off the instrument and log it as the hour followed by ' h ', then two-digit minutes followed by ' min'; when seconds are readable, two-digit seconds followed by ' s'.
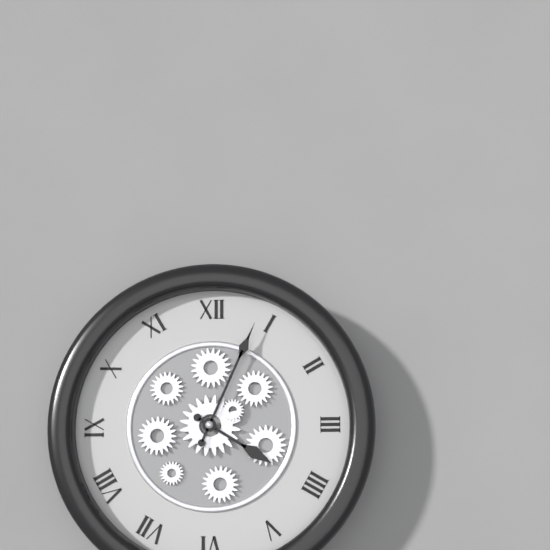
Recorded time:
4 h 04 min
